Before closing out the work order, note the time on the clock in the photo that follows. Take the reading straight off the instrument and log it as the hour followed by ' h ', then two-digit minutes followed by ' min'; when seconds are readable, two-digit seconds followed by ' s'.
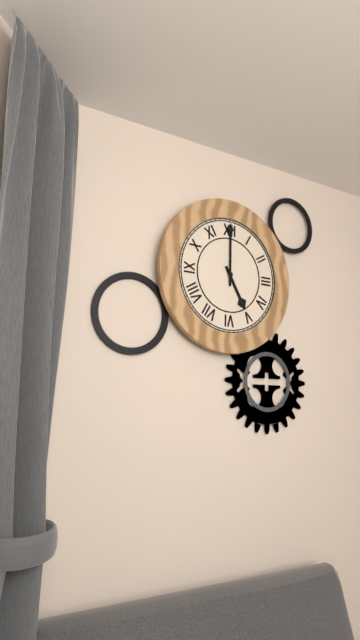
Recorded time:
5 h 00 min
